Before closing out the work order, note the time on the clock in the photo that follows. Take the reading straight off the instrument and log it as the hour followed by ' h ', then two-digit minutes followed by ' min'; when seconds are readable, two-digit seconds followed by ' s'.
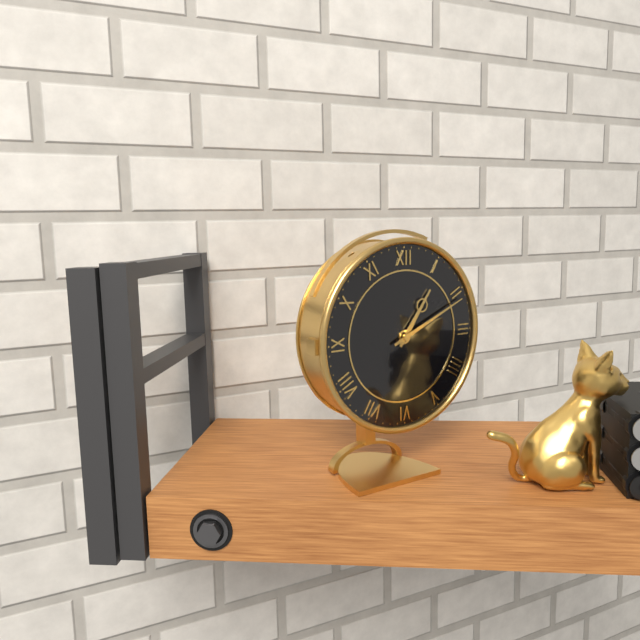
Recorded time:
1 h 11 min
